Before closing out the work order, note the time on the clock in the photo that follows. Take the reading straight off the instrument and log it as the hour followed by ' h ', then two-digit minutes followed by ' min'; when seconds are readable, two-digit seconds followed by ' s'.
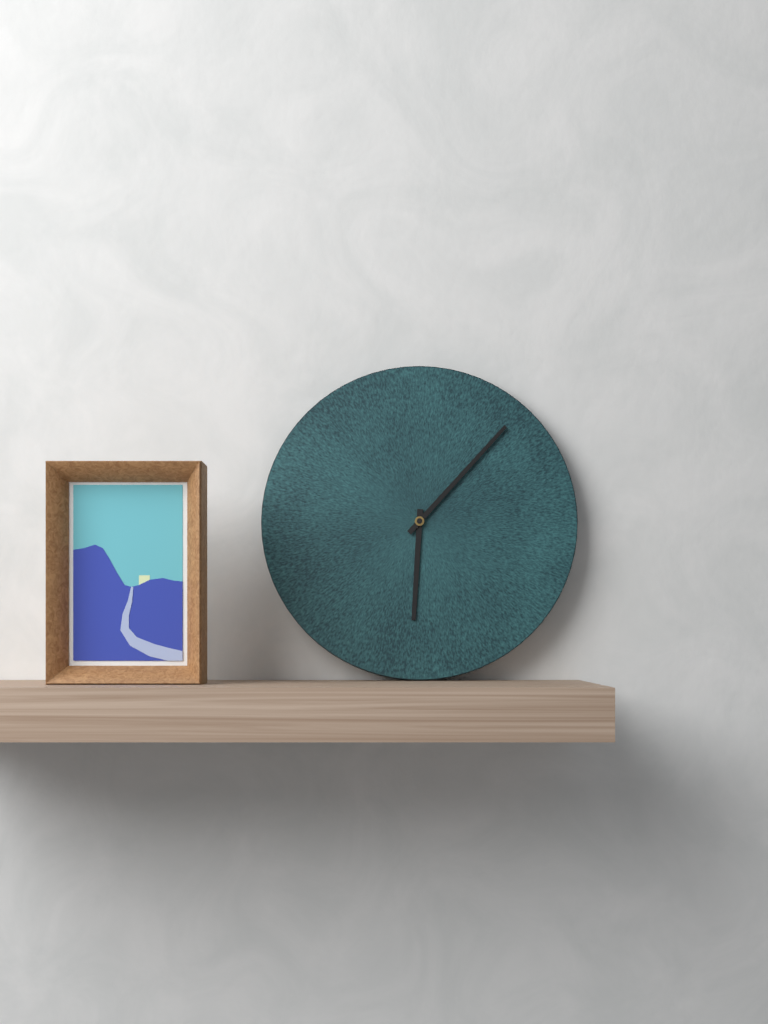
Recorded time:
6 h 07 min
